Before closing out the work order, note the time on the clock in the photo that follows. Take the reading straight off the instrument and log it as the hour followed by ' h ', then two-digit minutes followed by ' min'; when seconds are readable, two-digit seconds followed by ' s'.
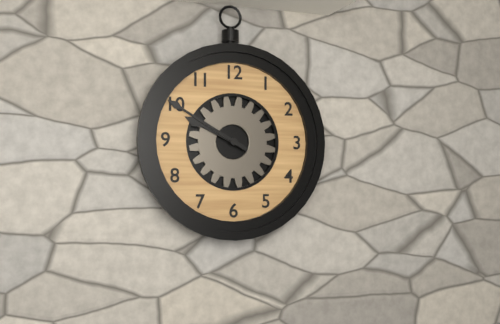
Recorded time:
9 h 50 min
